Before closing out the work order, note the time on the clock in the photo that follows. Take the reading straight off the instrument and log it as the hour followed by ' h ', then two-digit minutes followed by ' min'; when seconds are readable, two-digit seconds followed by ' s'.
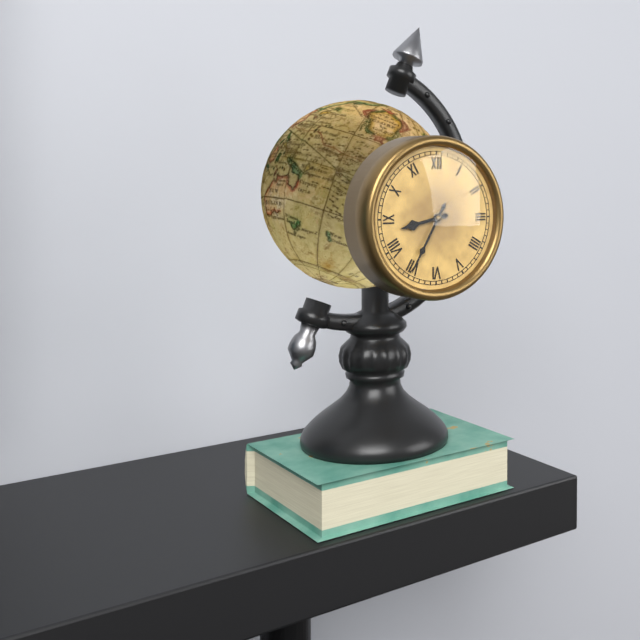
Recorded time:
8 h 35 min
